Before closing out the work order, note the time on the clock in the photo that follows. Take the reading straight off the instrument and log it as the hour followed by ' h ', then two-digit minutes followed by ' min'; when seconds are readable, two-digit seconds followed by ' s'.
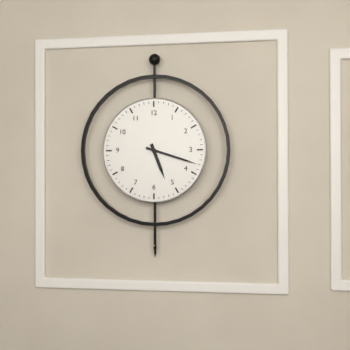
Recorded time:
5 h 18 min
